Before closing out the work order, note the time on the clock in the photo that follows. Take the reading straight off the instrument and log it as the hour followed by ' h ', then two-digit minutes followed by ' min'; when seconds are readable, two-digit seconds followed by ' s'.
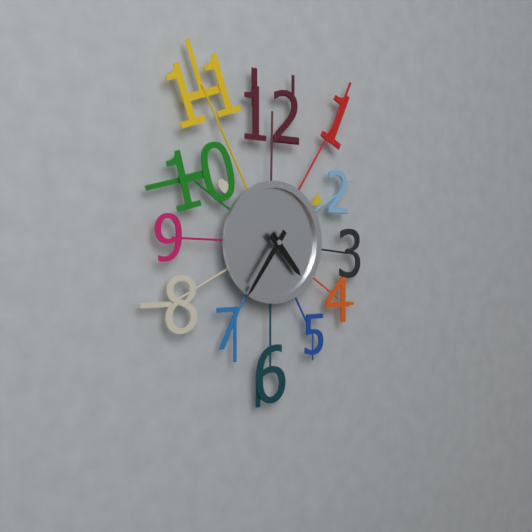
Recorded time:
4 h 36 min
